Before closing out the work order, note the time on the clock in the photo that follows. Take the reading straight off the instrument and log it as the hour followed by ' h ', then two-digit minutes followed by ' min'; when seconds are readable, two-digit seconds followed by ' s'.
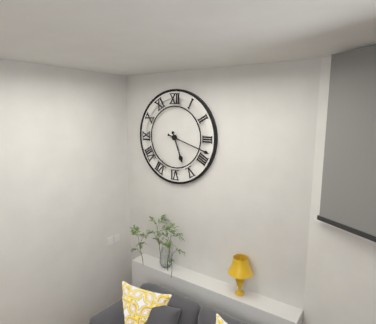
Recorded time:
5 h 18 min
